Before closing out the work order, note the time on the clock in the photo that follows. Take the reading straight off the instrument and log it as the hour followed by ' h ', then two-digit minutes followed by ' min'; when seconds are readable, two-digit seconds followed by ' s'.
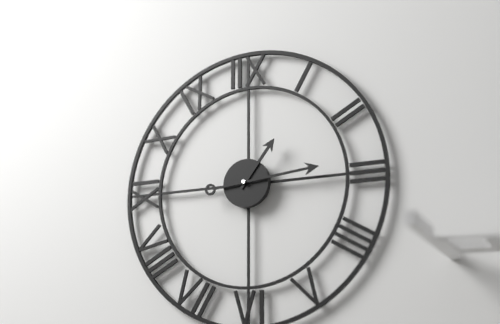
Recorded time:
1 h 14 min
